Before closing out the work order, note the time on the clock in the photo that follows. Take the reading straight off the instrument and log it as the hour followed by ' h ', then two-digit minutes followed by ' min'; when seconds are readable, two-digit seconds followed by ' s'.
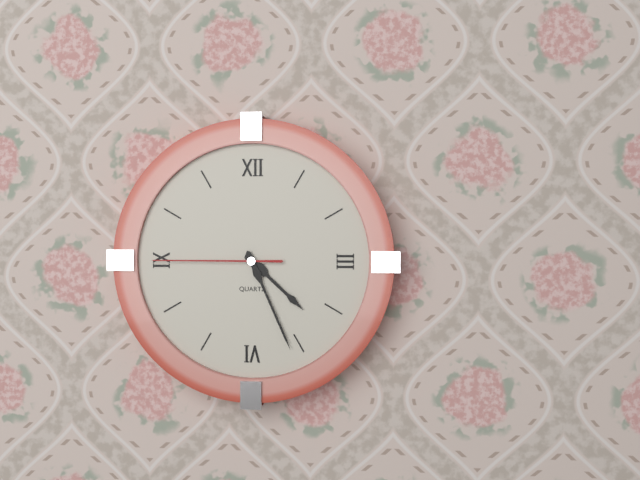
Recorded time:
4 h 26 min 45 s
